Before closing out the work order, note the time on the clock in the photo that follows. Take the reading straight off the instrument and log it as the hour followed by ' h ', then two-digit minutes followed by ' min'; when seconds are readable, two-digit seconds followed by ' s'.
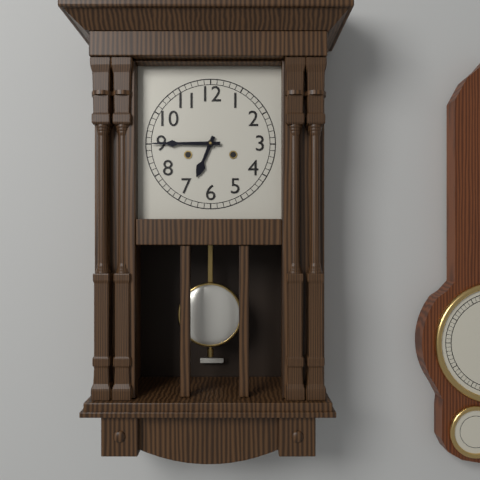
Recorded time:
6 h 45 min
